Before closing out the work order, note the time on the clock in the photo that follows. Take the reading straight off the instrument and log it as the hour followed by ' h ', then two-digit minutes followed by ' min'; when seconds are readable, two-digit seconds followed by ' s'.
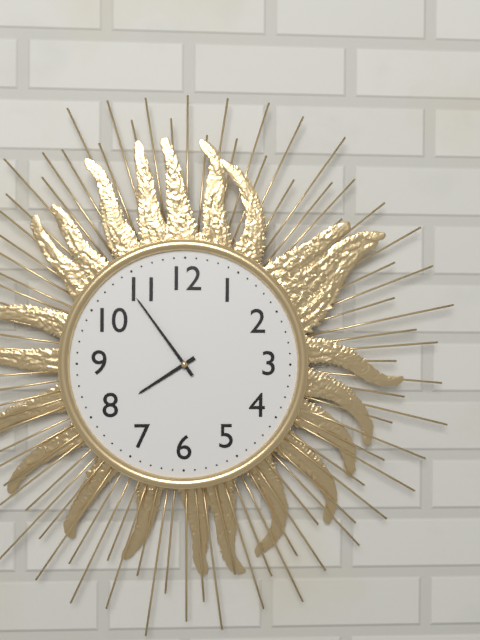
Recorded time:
7 h 54 min
